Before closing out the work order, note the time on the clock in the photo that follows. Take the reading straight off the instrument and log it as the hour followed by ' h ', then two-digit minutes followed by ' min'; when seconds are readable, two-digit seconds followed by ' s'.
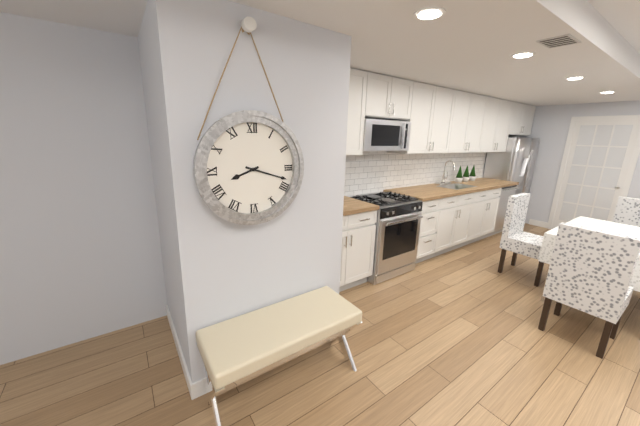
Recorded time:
8 h 18 min
